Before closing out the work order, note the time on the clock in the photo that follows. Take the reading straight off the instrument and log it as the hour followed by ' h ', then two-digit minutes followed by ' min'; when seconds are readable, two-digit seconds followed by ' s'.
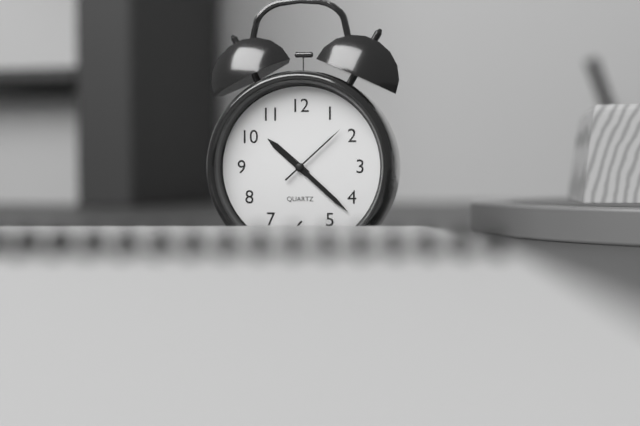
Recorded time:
10 h 22 min 08 s
